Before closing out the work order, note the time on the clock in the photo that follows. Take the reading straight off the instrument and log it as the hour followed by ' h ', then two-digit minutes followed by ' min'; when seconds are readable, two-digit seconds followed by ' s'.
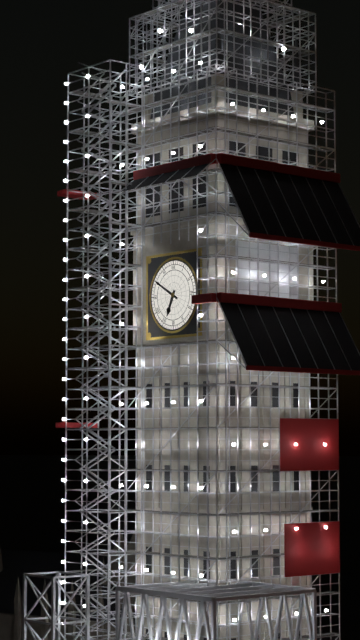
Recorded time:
6 h 50 min
